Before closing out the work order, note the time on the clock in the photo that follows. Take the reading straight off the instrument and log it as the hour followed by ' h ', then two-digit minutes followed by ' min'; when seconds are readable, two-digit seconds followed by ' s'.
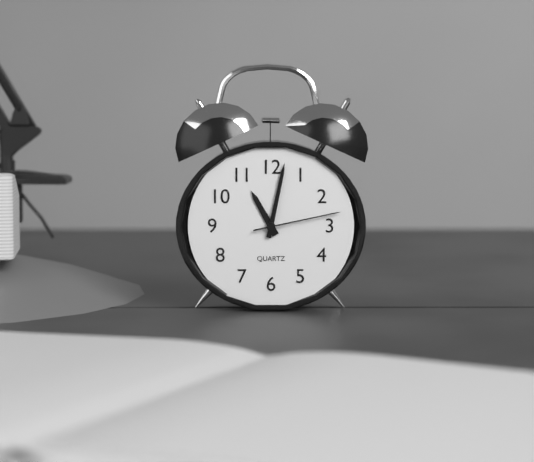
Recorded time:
11 h 02 min 13 s
